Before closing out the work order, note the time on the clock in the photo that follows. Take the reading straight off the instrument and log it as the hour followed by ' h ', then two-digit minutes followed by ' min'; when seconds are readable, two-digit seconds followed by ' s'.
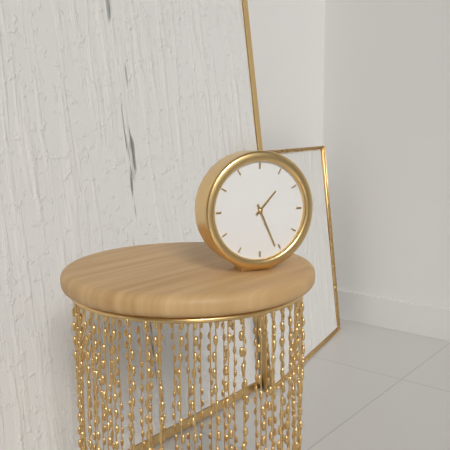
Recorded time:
1 h 26 min
